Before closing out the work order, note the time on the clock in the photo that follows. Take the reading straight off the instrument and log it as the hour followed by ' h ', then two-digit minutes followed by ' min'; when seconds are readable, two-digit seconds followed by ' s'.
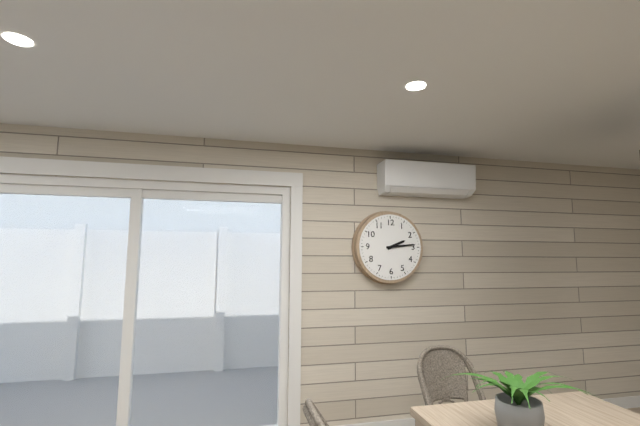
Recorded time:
2 h 14 min
